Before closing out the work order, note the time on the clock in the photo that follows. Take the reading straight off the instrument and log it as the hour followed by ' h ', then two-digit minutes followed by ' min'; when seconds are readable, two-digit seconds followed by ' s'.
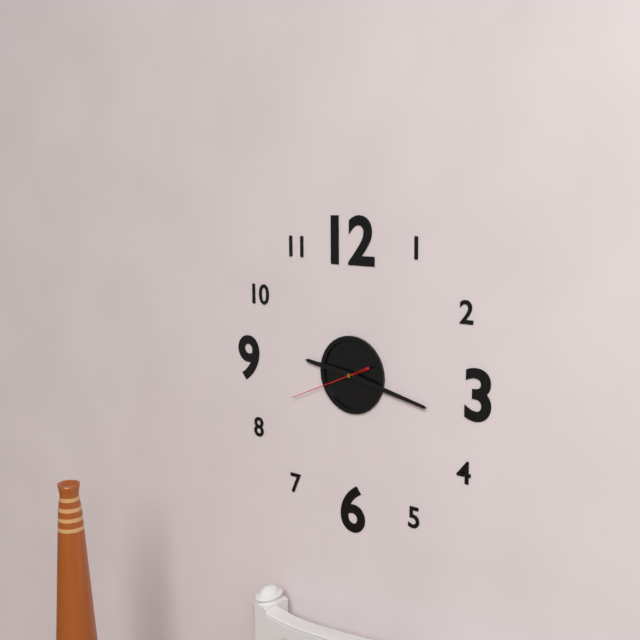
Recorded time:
9 h 17 min 41 s
